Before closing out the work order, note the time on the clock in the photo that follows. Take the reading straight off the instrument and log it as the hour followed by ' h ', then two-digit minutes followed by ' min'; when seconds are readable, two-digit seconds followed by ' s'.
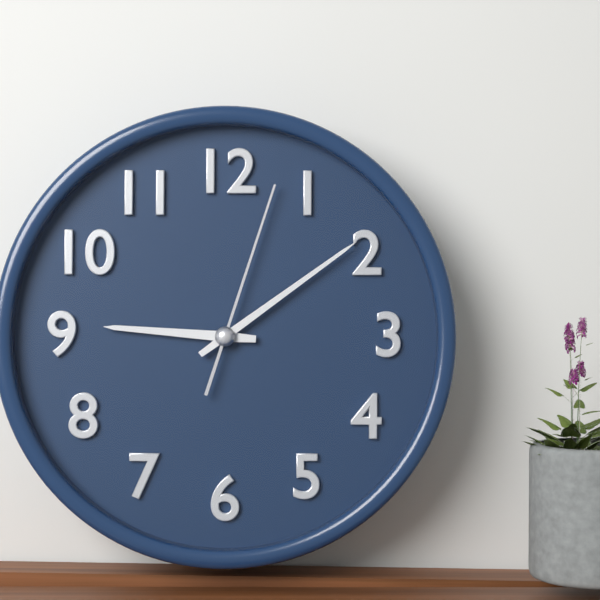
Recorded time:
9 h 09 min 03 s
